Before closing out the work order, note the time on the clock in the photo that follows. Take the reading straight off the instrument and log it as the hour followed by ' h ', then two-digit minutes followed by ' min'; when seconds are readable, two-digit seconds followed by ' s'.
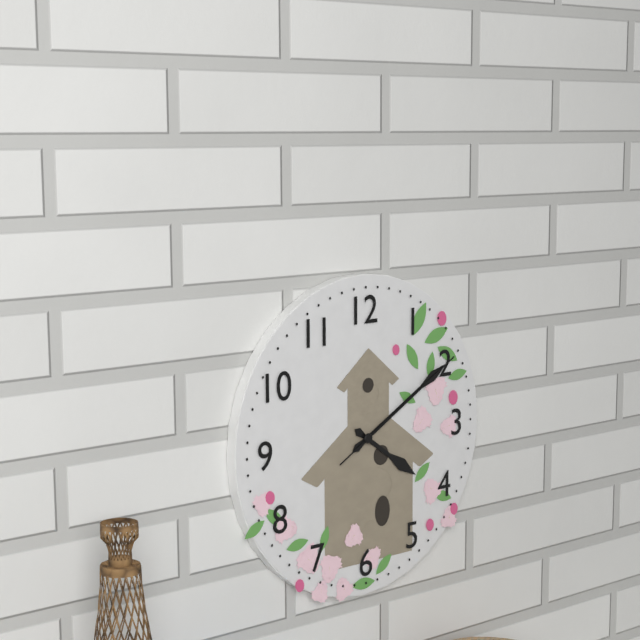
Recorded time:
4 h 10 min 10 s
